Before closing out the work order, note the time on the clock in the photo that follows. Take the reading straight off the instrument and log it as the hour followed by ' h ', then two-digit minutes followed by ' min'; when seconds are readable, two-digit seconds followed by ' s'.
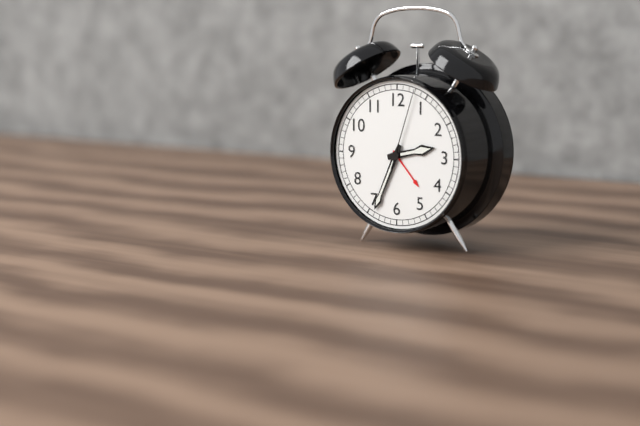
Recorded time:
2 h 34 min 03 s
